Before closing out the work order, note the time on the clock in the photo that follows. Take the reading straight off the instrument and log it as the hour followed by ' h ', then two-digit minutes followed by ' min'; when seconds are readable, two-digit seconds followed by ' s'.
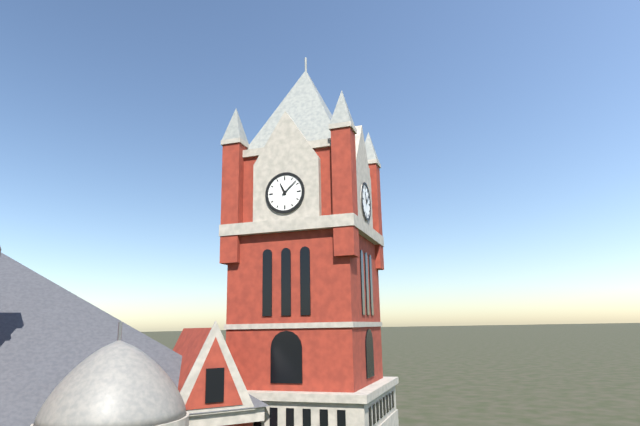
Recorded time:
11 h 08 min
